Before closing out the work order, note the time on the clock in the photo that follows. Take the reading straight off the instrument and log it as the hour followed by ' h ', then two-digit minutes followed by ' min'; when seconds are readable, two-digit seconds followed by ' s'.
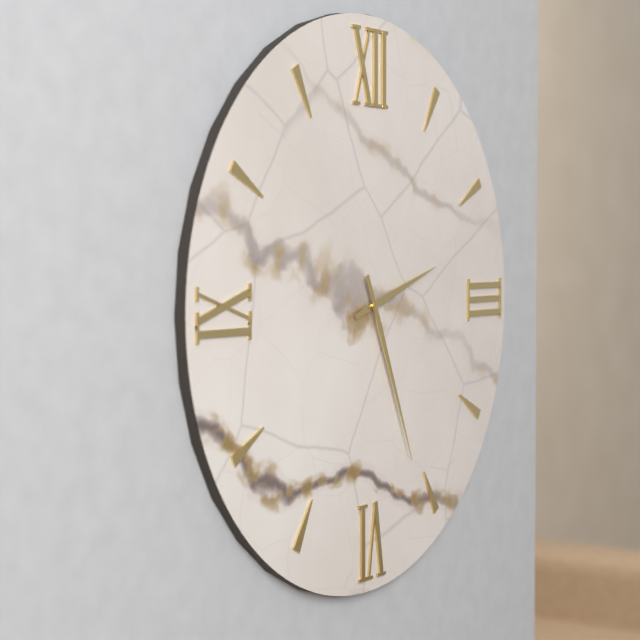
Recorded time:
2 h 26 min
